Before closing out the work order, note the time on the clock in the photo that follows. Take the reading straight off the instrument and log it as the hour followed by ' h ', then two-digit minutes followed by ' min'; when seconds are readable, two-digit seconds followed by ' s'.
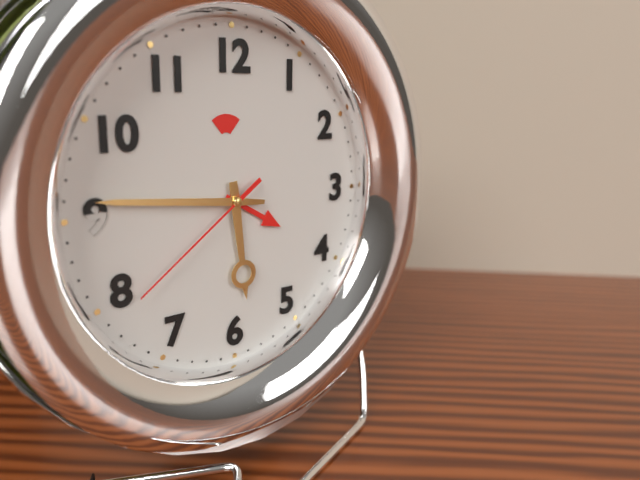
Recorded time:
5 h 46 min 39 s
